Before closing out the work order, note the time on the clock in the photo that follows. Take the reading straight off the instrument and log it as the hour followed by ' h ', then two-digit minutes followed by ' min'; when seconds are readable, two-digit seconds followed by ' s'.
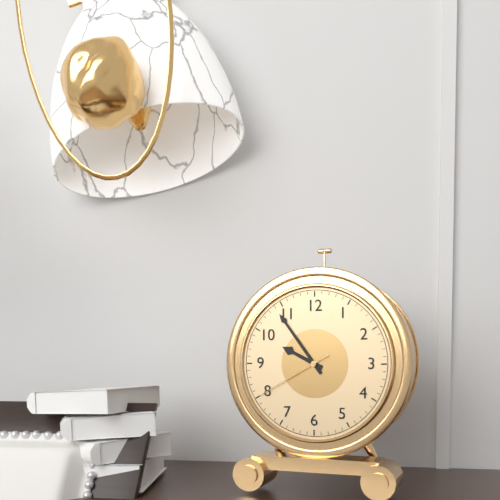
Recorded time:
9 h 54 min 40 s
